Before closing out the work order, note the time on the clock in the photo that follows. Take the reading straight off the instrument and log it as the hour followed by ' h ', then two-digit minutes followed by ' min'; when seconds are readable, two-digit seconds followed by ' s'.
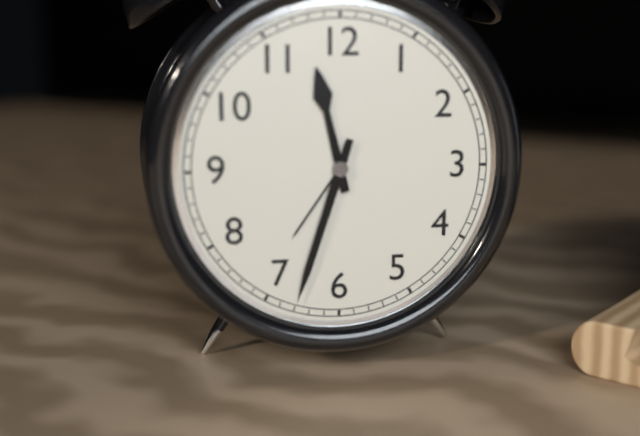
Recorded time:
11 h 33 min
